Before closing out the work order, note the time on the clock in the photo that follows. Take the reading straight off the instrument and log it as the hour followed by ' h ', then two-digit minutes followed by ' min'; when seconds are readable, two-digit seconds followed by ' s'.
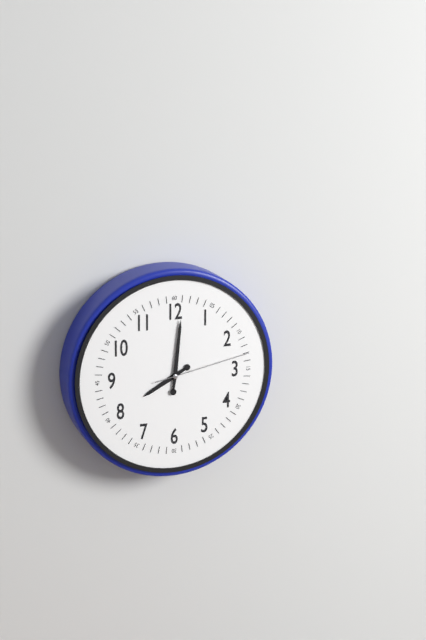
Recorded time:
8 h 01 min 13 s
